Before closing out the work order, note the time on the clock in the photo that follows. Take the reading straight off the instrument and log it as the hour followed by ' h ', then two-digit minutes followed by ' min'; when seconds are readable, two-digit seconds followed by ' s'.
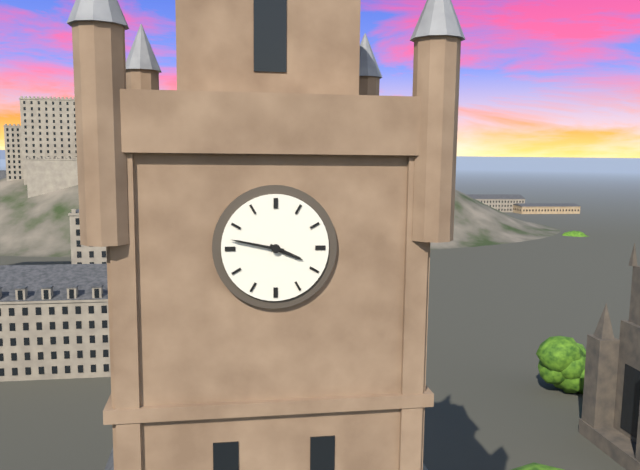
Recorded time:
3 h 47 min
